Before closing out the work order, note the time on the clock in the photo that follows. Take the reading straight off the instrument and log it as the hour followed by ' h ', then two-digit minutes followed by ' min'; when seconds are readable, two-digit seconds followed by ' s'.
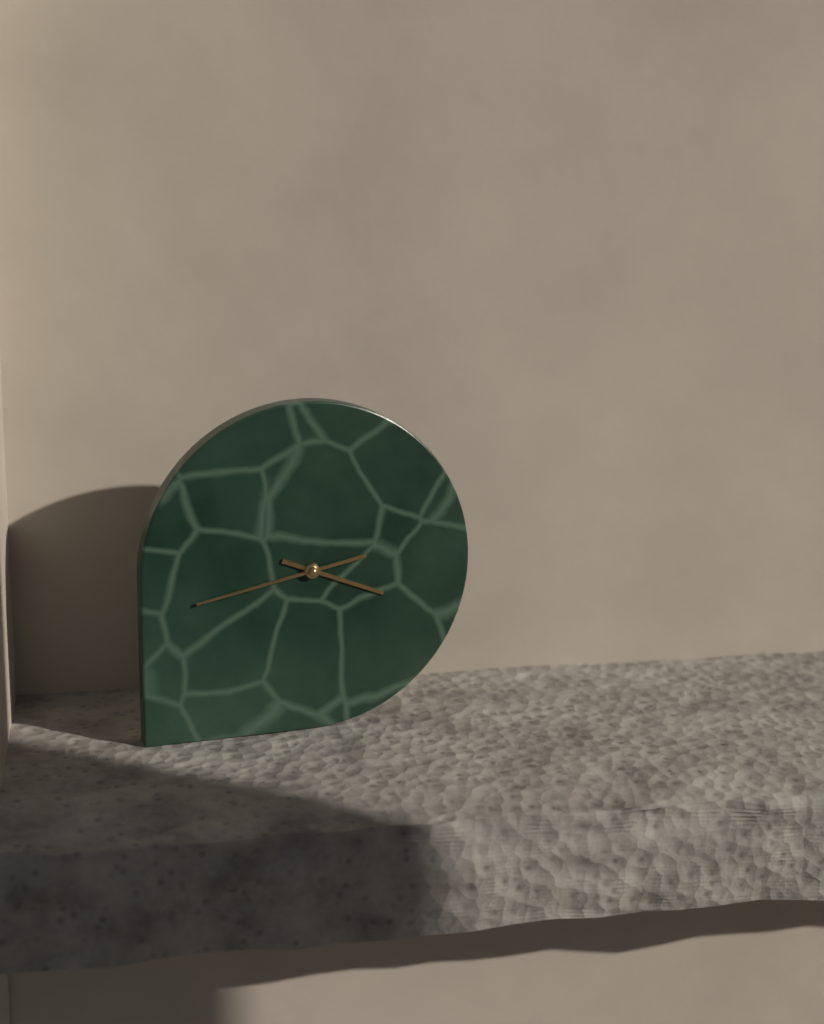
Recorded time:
3 h 43 min
